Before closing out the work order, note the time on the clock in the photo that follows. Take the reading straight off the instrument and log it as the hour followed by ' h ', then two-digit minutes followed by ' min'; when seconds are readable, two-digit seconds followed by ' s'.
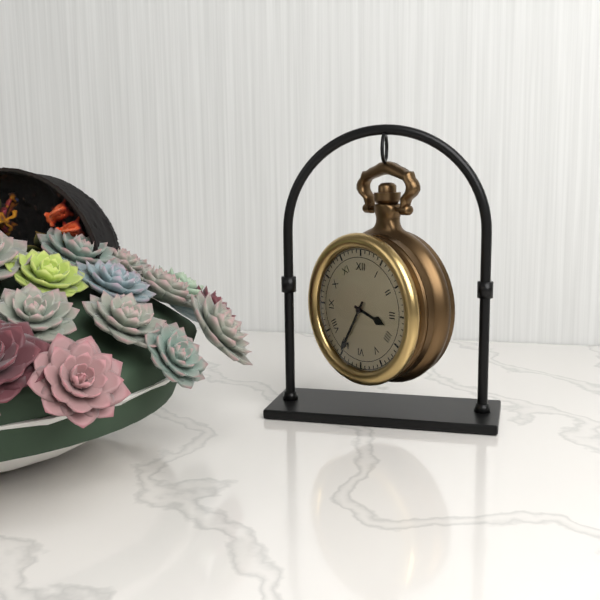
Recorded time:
3 h 35 min
